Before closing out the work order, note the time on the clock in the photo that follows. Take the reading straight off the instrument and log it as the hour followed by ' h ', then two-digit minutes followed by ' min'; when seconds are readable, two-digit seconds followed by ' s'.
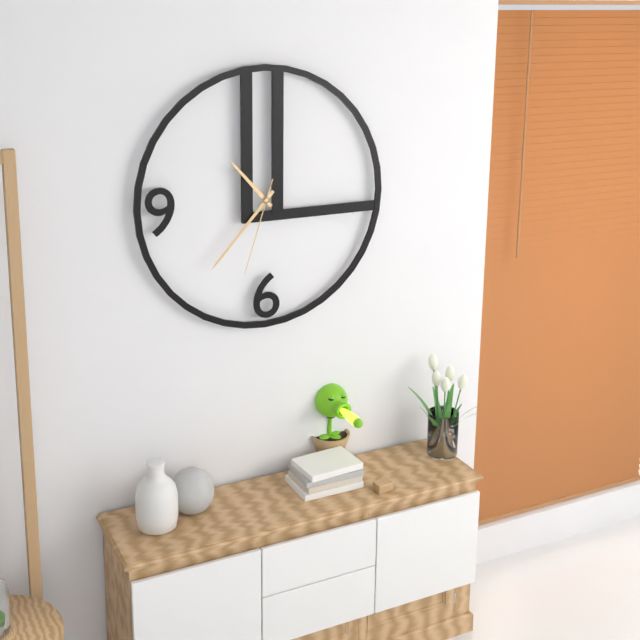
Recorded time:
10 h 37 min 33 s
